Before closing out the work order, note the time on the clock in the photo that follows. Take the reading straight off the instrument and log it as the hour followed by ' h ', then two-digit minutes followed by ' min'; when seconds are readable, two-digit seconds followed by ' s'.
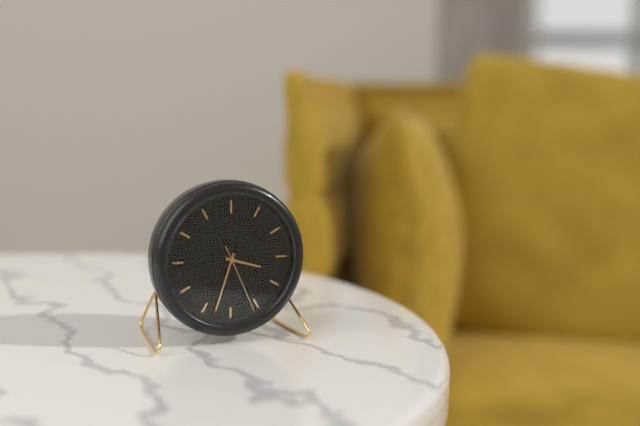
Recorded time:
3 h 33 min 26 s
